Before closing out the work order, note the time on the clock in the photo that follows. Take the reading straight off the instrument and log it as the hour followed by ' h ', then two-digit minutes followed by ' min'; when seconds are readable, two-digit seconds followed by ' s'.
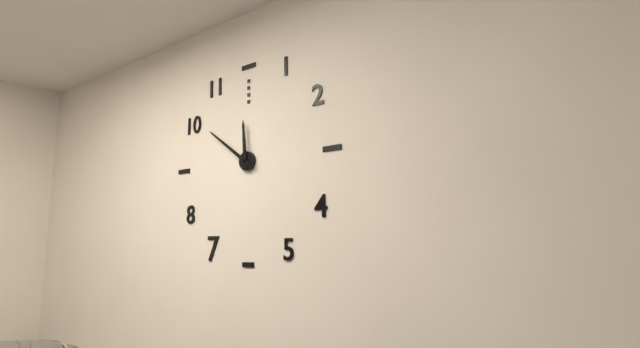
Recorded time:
11 h 51 min
